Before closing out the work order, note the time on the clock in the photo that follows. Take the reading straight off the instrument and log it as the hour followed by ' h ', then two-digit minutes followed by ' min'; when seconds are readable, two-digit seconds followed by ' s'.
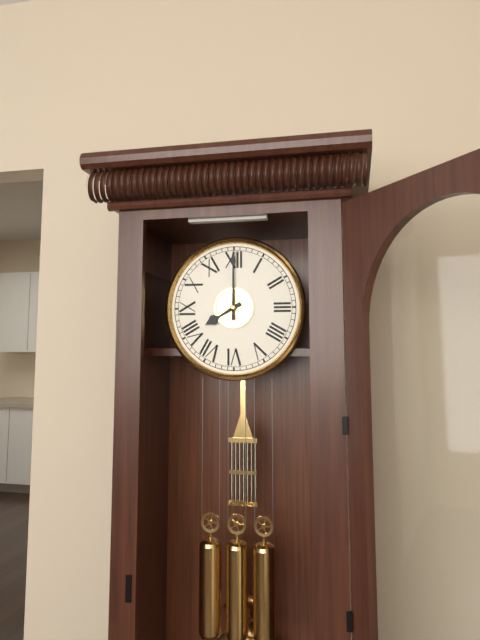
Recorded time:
8 h 00 min
